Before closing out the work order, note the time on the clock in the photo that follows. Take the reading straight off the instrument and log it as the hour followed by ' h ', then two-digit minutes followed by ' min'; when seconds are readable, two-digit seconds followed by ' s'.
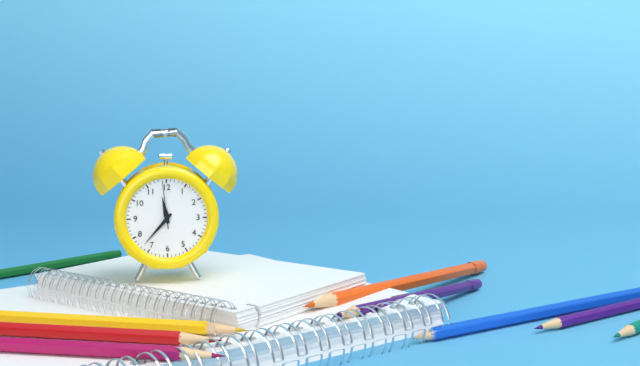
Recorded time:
11 h 37 min
